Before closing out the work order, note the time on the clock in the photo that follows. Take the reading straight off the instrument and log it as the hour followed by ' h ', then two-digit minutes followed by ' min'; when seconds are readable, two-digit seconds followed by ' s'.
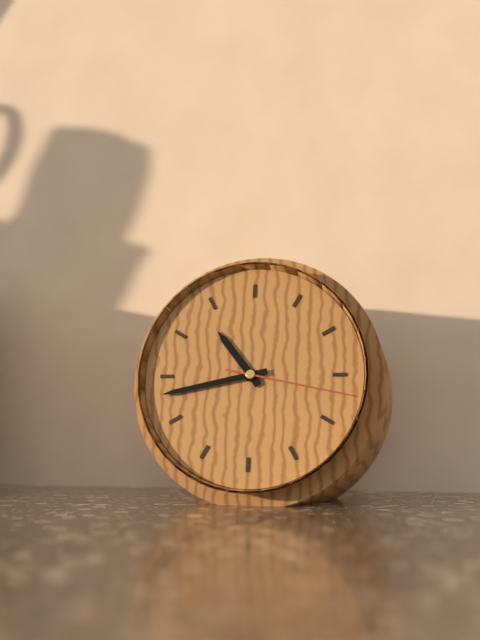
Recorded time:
10 h 43 min 17 s
